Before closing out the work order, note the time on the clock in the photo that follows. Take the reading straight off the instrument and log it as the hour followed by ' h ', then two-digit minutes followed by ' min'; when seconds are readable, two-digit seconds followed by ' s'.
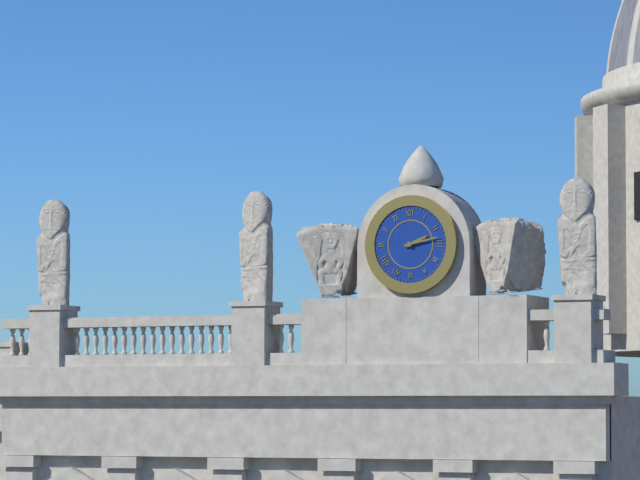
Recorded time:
2 h 13 min
